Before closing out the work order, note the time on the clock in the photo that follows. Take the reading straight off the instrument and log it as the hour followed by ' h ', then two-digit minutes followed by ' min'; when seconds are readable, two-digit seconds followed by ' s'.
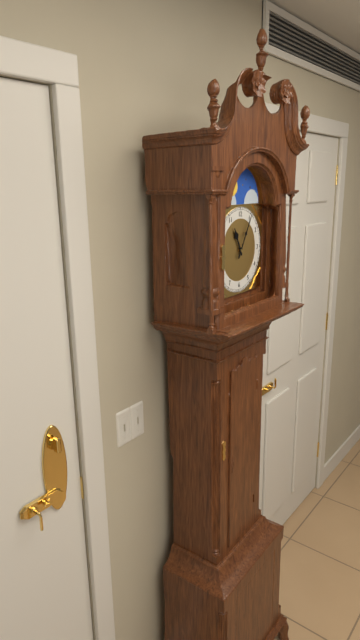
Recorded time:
11 h 05 min
